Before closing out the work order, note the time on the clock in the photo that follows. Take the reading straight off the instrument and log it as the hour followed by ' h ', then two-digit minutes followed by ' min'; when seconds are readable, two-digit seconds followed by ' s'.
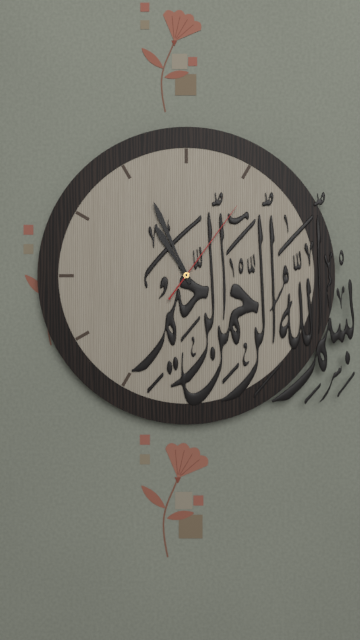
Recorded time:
10 h 56 min 06 s
